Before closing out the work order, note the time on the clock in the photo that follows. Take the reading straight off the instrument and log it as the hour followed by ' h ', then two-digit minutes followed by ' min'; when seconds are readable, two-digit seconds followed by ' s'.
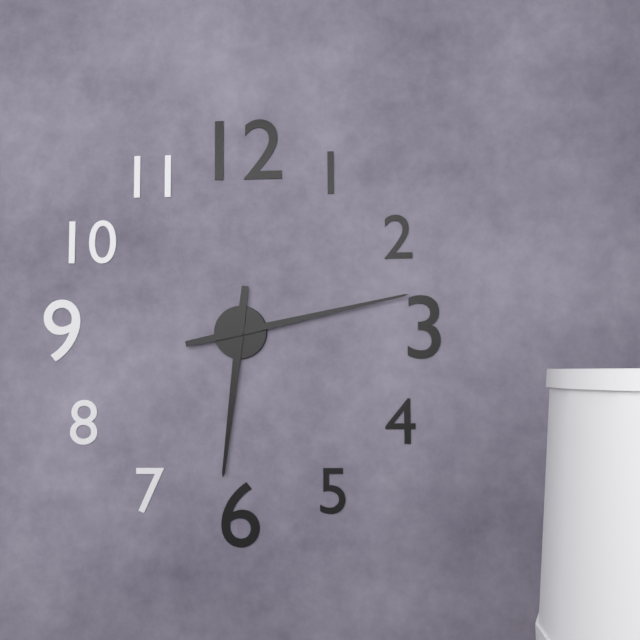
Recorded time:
6 h 13 min
